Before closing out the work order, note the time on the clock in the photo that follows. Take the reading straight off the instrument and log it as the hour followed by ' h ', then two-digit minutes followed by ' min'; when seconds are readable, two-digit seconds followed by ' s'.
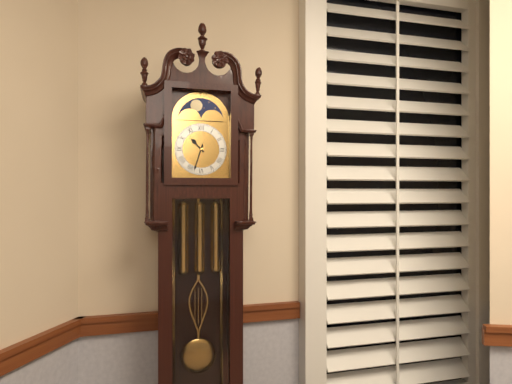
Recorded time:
10 h 33 min
